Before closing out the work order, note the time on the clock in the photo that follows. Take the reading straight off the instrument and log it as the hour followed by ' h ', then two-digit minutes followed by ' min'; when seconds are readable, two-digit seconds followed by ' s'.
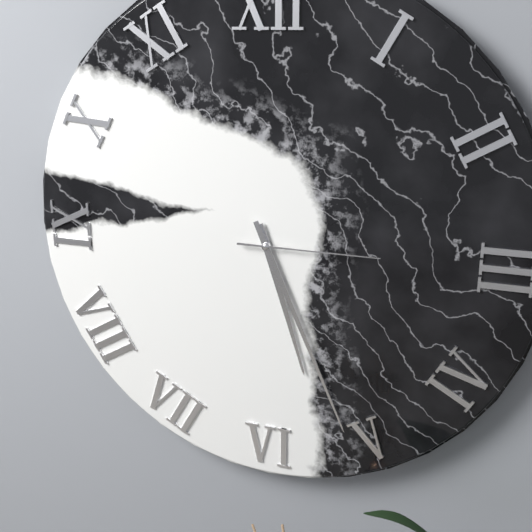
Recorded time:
5 h 26 min 15 s
